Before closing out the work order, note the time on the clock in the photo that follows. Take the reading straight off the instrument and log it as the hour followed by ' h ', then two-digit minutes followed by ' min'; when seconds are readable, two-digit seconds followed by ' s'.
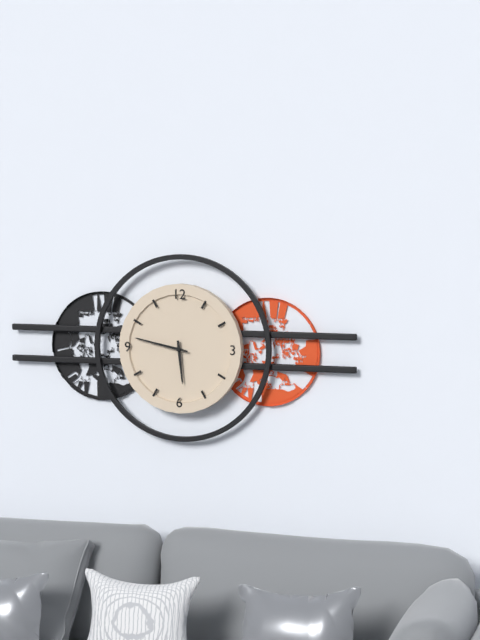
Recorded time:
5 h 47 min
